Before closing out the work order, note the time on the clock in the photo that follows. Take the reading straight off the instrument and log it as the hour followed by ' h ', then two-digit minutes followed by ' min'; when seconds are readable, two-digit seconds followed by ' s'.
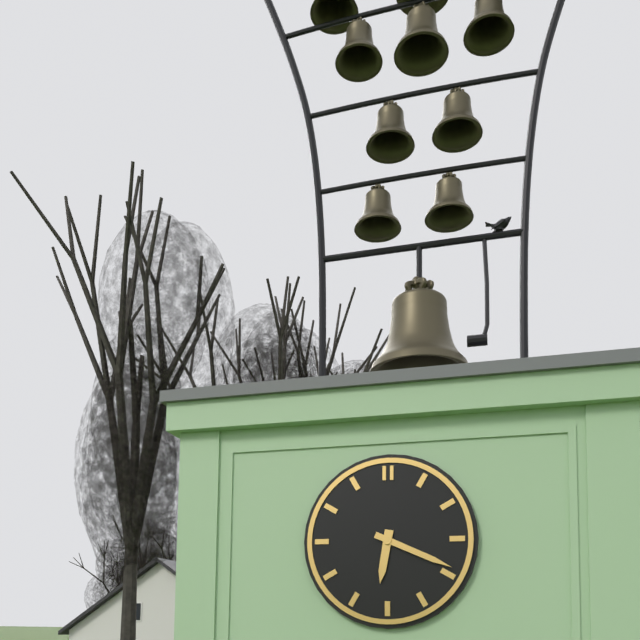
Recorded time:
6 h 19 min
